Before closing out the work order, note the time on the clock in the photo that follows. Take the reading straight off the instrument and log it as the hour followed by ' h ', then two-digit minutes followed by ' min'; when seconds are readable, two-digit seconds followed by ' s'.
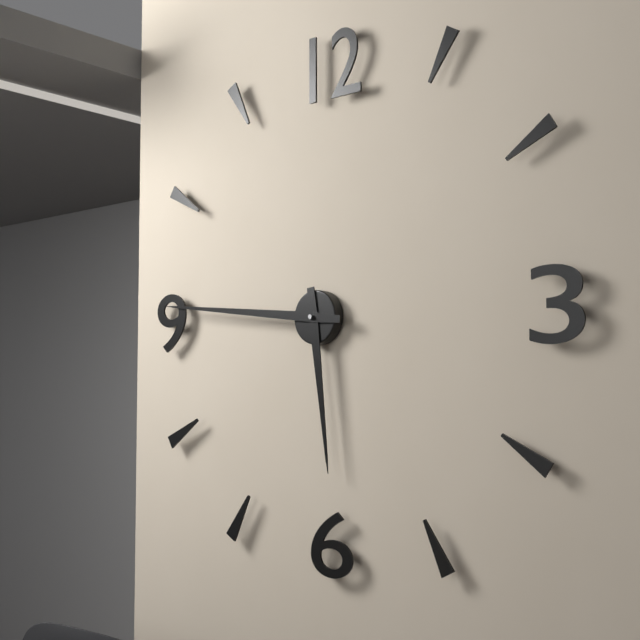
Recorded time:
5 h 46 min
